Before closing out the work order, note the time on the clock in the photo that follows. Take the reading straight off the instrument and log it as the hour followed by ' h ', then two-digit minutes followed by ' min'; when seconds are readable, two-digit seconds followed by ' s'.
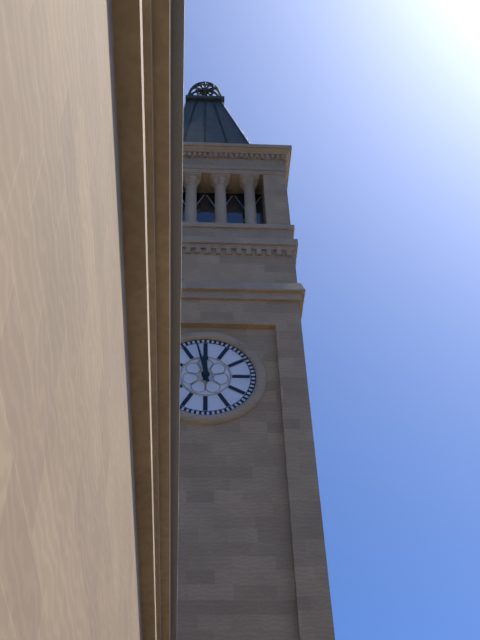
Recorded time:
11 h 58 min
